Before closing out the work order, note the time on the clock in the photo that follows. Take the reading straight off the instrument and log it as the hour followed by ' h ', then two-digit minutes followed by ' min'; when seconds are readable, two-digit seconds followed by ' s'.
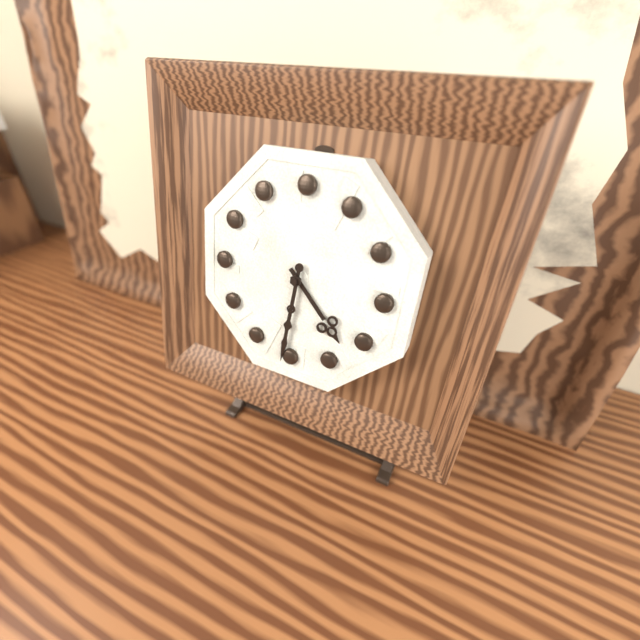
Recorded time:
4 h 31 min
